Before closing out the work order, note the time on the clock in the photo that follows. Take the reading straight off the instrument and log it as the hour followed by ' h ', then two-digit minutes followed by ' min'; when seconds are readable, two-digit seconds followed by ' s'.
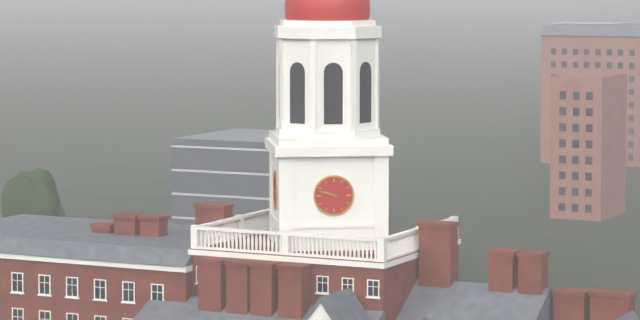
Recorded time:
9 h 48 min
